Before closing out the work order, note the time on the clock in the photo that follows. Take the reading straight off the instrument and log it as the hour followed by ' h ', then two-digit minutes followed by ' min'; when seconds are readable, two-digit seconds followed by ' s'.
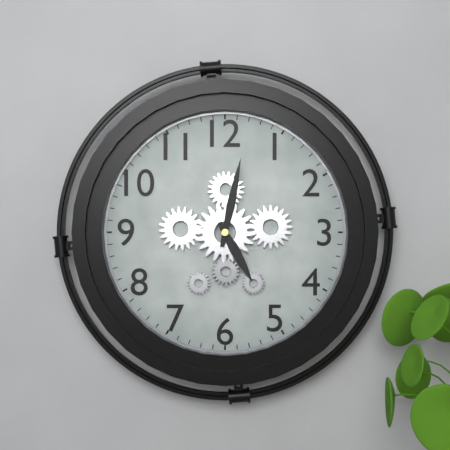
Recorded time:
5 h 02 min
